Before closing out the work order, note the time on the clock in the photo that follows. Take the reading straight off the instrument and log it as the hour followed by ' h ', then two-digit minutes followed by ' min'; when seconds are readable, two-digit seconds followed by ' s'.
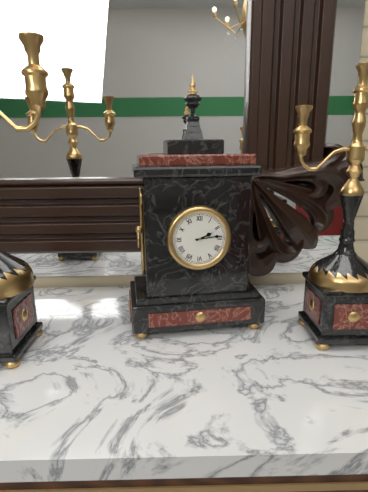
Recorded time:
2 h 14 min
